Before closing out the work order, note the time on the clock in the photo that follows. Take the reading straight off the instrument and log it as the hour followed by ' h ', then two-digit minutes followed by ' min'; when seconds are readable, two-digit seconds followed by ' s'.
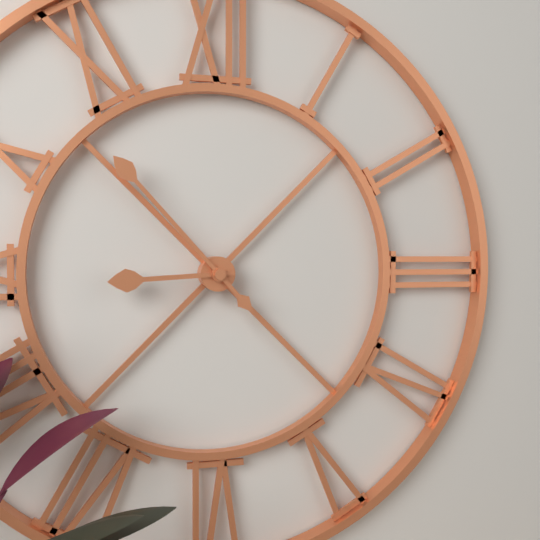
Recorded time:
8 h 53 min
